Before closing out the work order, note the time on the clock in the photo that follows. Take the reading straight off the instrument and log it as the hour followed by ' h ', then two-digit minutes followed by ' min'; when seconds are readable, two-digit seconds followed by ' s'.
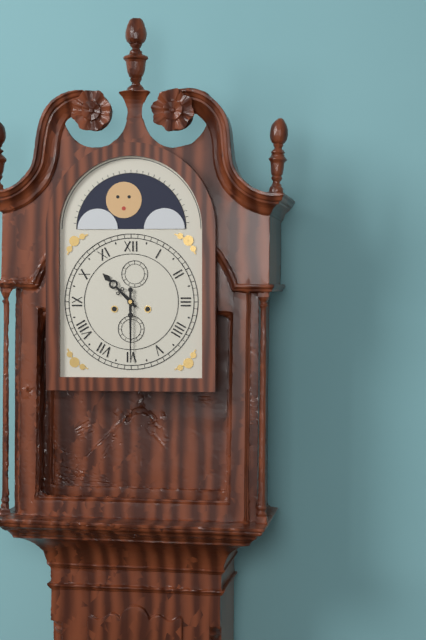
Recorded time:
10 h 30 min
